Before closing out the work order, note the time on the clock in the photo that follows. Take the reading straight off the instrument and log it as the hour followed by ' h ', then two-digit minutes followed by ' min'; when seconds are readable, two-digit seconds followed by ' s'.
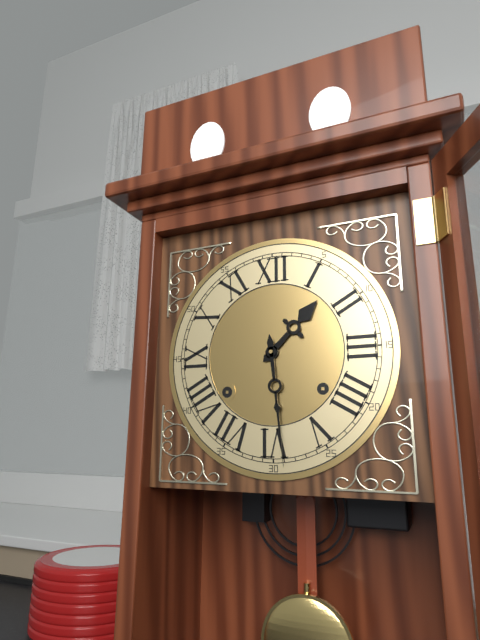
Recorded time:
1 h 29 min
